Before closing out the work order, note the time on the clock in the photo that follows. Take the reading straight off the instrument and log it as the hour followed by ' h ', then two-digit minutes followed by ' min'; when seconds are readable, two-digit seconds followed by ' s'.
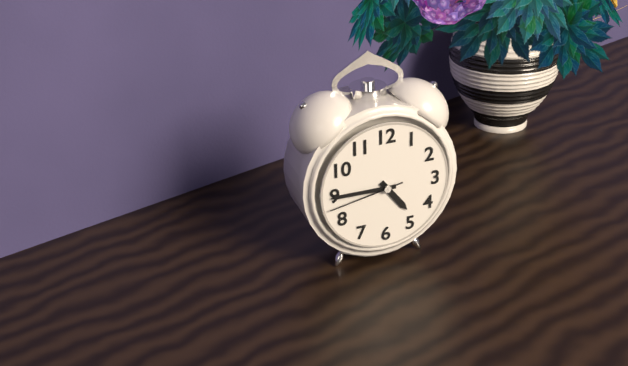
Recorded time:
4 h 45 min 43 s
